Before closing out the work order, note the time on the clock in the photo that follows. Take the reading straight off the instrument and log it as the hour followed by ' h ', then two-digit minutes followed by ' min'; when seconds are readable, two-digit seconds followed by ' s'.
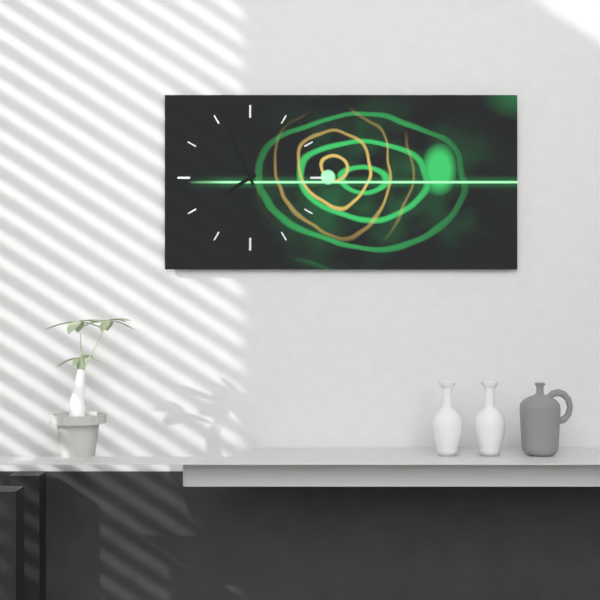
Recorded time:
7 h 56 min
